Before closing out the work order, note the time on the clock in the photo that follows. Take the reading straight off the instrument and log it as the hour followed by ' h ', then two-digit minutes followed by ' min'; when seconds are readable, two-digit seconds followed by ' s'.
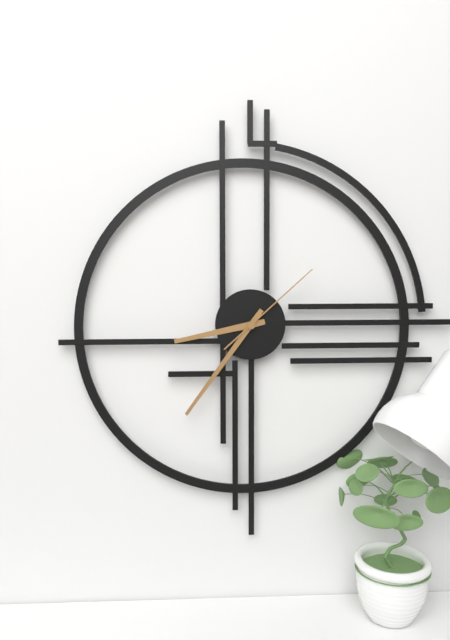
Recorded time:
8 h 36 min 08 s
